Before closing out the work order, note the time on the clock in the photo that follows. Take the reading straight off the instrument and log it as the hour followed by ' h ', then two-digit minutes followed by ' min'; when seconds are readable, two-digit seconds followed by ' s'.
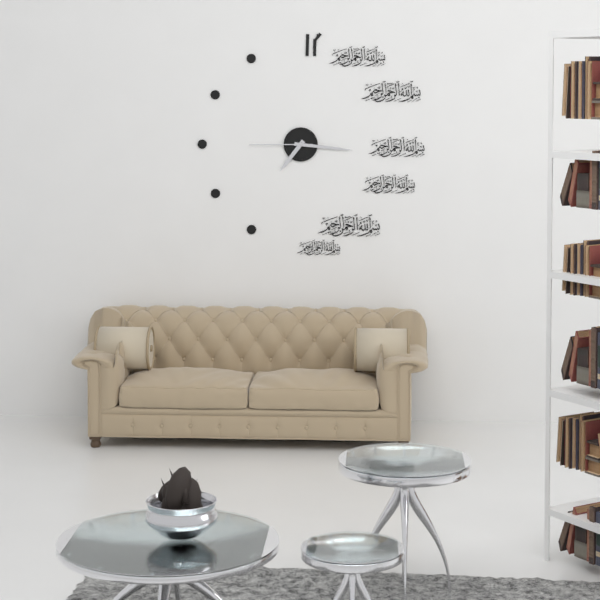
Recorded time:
7 h 16 min 45 s
